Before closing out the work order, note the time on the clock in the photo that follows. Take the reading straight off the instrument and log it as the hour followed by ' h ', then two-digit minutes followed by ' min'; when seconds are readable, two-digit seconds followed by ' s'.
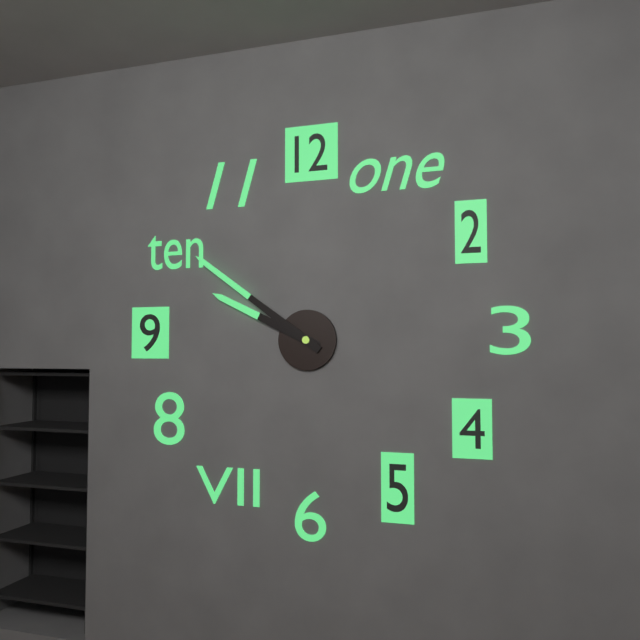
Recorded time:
9 h 51 min
